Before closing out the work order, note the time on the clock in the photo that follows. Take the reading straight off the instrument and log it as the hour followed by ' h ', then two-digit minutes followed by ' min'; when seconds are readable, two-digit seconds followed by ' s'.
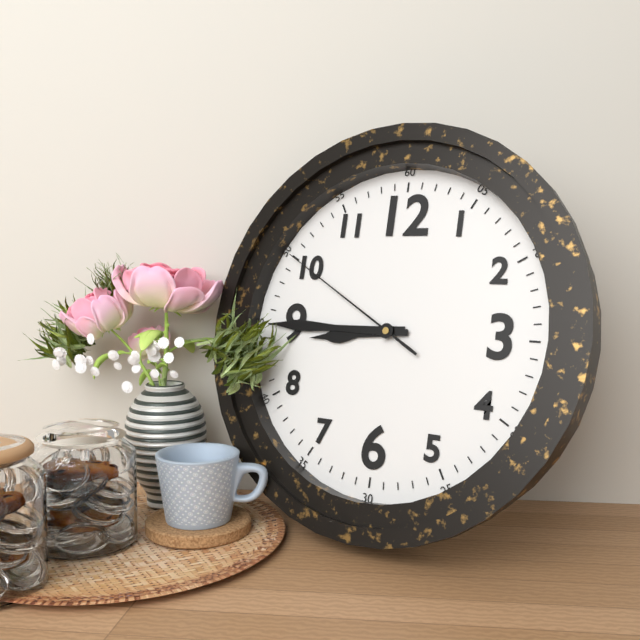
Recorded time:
8 h 45 min 50 s
